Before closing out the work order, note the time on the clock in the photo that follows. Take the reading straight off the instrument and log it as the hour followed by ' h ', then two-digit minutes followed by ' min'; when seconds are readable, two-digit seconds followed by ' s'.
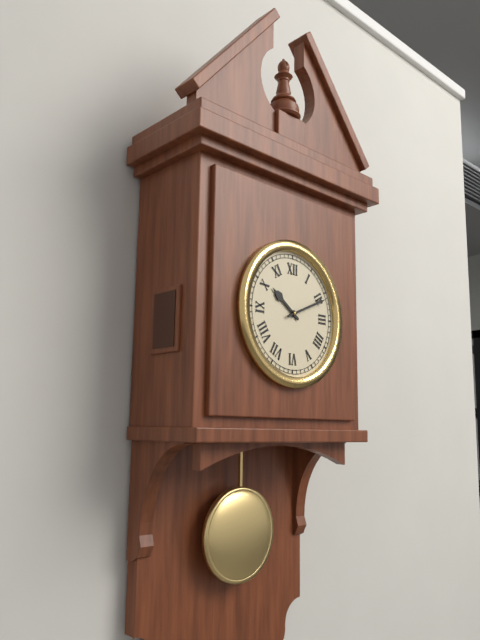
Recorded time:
10 h 11 min
